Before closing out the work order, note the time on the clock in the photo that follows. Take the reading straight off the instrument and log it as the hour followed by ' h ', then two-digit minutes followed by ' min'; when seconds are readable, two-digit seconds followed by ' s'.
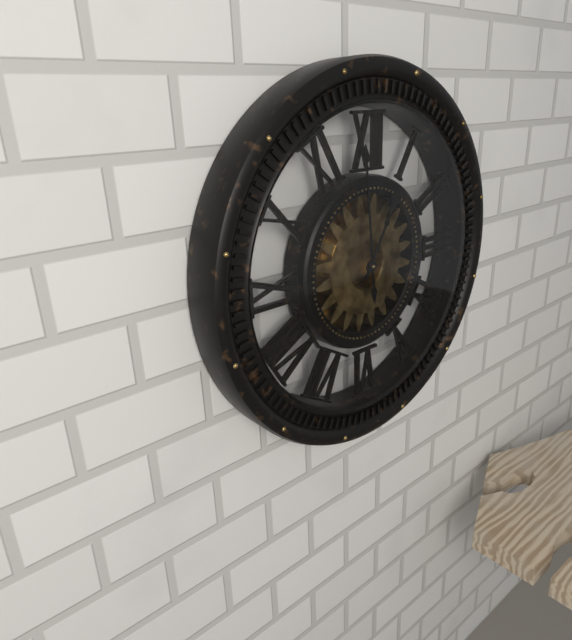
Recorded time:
12 h 59 min
